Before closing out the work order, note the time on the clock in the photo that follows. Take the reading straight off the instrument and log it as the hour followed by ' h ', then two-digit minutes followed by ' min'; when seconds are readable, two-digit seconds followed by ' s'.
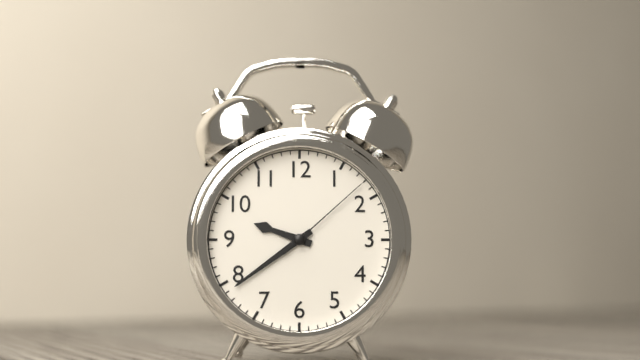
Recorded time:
9 h 39 min 08 s
